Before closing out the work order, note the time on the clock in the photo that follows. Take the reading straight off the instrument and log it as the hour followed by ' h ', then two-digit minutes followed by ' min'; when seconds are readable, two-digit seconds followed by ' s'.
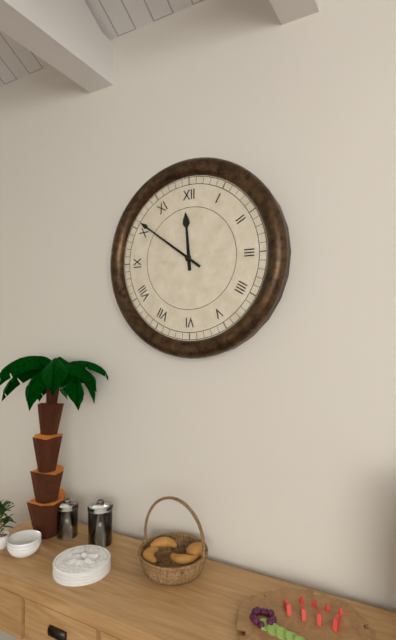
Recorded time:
11 h 51 min
